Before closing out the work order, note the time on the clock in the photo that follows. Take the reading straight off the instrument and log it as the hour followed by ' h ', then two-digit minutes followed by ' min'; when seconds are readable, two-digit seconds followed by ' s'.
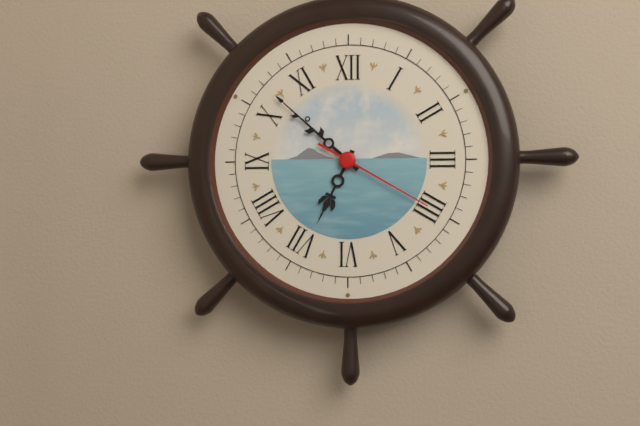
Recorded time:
6 h 52 min 20 s
